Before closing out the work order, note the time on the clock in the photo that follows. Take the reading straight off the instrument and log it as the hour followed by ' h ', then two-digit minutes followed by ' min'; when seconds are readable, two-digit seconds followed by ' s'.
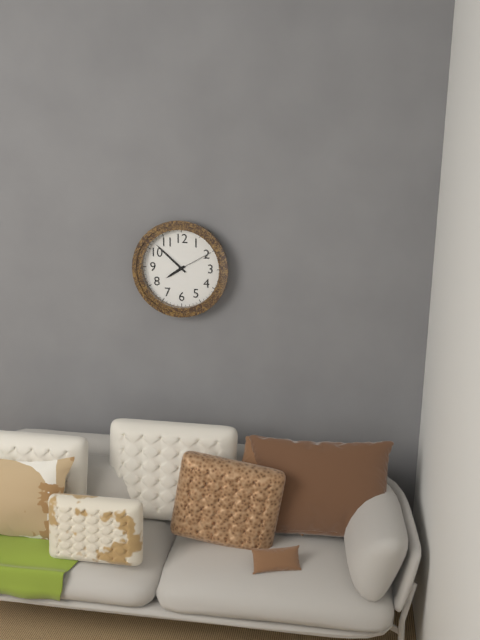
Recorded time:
7 h 52 min
